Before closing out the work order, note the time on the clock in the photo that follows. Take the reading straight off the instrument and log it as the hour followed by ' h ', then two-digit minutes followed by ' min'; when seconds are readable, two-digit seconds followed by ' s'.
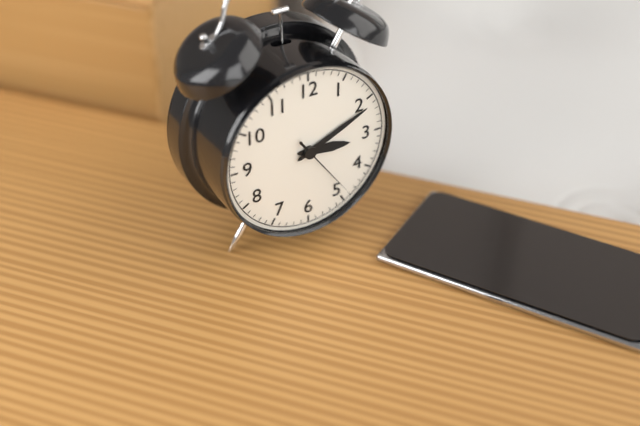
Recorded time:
3 h 11 min 24 s
